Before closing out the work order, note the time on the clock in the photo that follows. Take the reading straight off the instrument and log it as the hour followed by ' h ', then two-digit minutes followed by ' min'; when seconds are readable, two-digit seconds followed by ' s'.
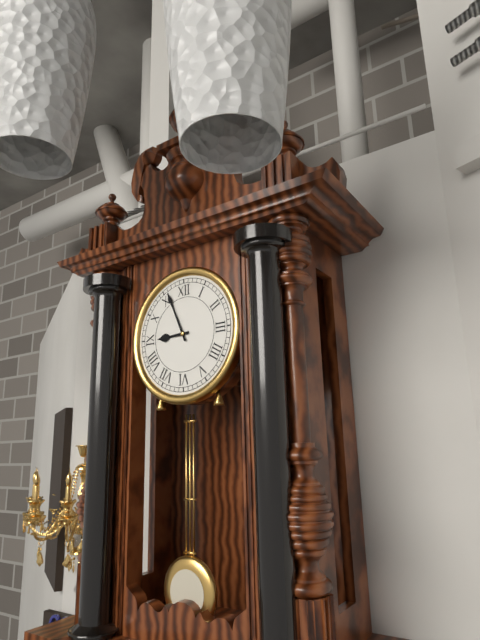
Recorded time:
8 h 56 min
